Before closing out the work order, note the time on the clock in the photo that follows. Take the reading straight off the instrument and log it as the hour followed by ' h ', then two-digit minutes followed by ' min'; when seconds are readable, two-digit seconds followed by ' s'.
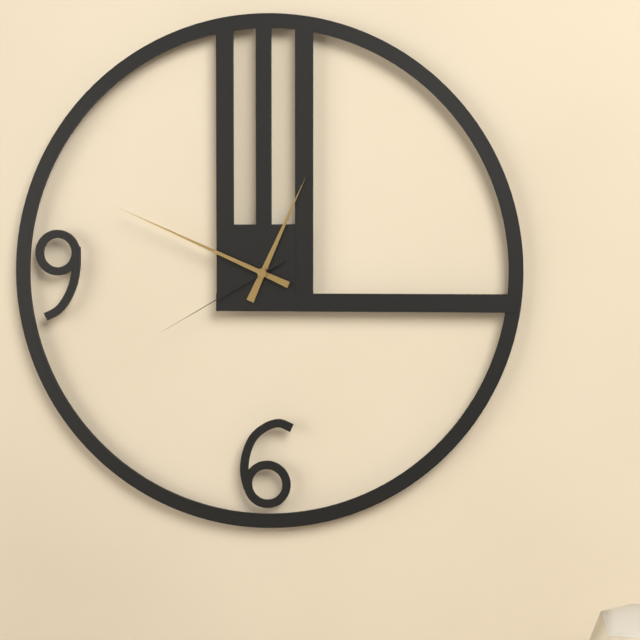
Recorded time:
12 h 49 min 40 s
